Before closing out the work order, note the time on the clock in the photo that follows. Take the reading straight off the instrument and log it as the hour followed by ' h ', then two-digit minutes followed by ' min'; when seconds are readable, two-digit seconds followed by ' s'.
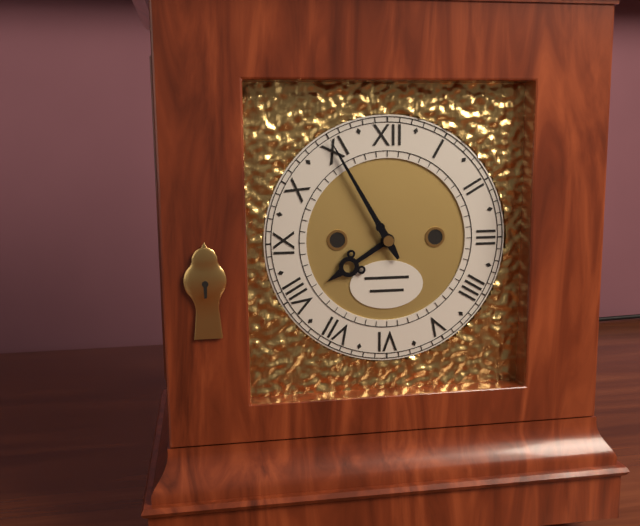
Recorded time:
7 h 55 min
